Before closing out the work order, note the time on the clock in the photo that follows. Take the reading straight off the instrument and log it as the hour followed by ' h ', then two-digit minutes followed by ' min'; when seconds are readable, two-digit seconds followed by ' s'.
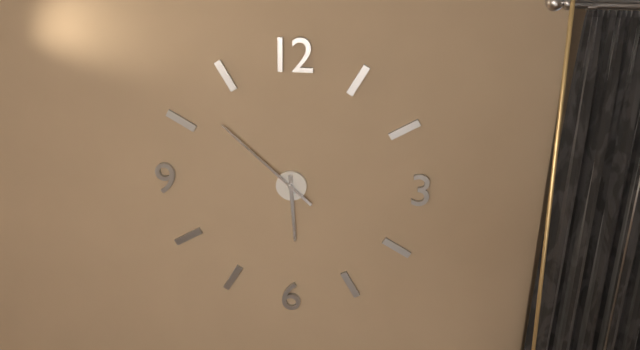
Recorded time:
5 h 52 min
